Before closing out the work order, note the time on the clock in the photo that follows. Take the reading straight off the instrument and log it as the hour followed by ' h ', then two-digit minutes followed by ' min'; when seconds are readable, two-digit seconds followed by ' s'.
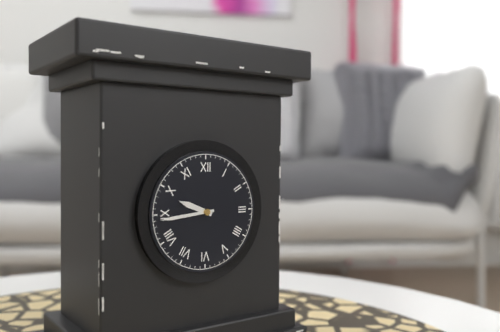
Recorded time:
9 h 44 min
